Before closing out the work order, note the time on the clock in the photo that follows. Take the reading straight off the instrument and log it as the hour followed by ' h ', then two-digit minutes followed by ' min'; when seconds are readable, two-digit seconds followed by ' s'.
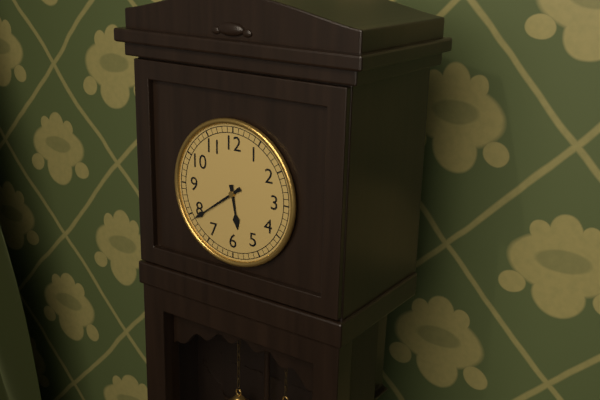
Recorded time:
5 h 39 min
